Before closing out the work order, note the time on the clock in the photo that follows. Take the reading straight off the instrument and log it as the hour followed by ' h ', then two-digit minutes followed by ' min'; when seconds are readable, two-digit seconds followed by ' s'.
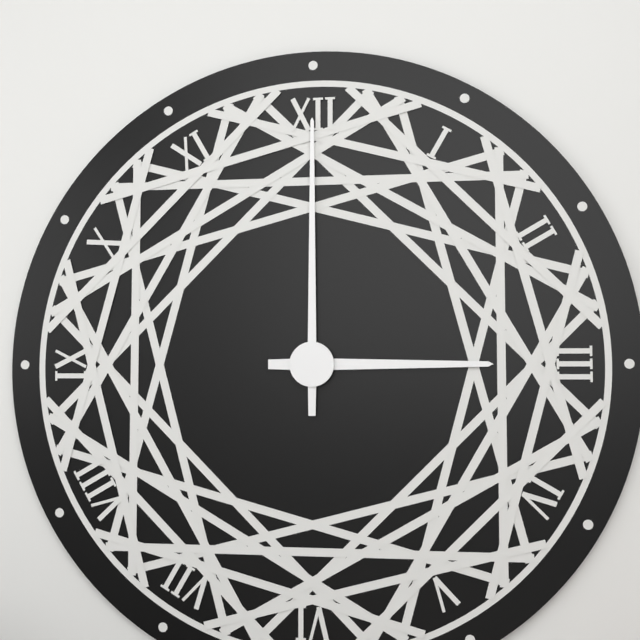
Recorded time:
3 h 00 min
